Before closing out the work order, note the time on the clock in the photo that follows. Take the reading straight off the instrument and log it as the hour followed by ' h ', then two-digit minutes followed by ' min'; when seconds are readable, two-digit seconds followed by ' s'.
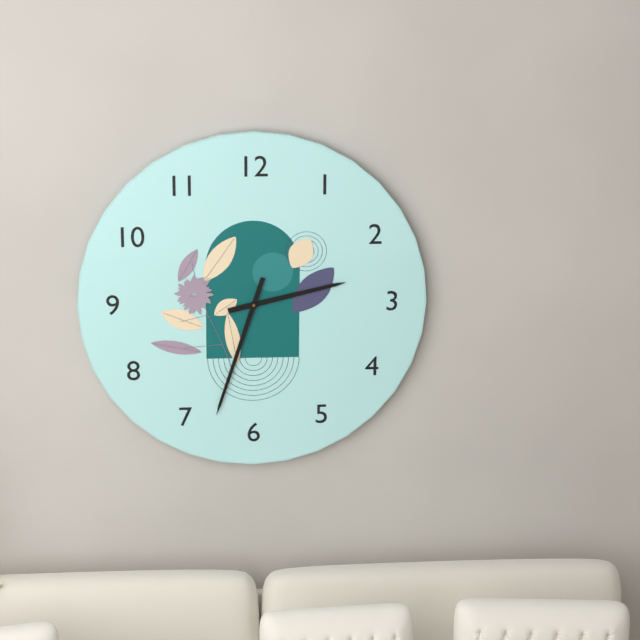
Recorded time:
2 h 33 min
